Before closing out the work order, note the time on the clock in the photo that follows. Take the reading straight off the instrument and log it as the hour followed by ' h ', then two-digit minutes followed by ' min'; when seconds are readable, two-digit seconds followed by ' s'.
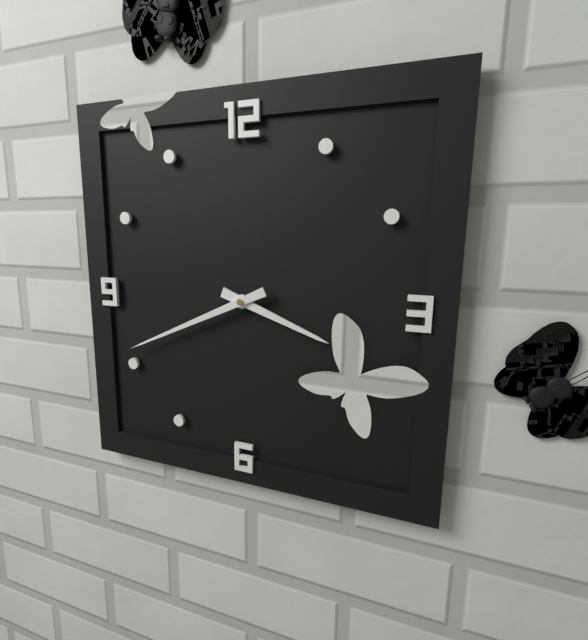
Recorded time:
3 h 41 min
